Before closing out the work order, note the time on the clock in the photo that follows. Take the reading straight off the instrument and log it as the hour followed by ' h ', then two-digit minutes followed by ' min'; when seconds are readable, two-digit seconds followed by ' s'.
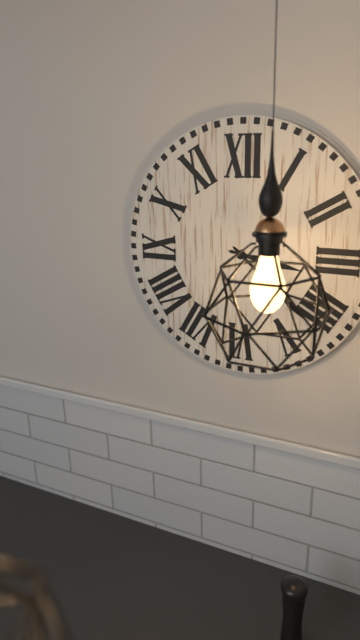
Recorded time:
3 h 22 min
